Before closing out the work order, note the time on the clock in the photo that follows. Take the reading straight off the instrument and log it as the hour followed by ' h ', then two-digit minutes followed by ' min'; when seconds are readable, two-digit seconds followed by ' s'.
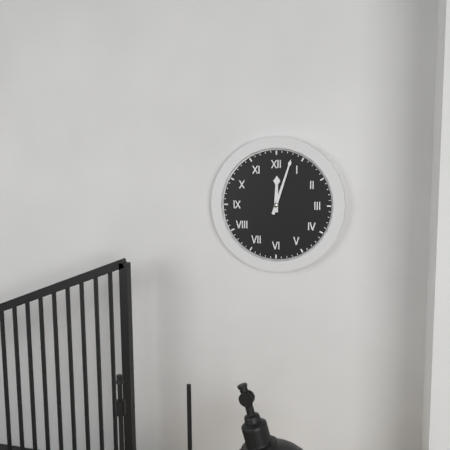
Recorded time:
12 h 03 min
